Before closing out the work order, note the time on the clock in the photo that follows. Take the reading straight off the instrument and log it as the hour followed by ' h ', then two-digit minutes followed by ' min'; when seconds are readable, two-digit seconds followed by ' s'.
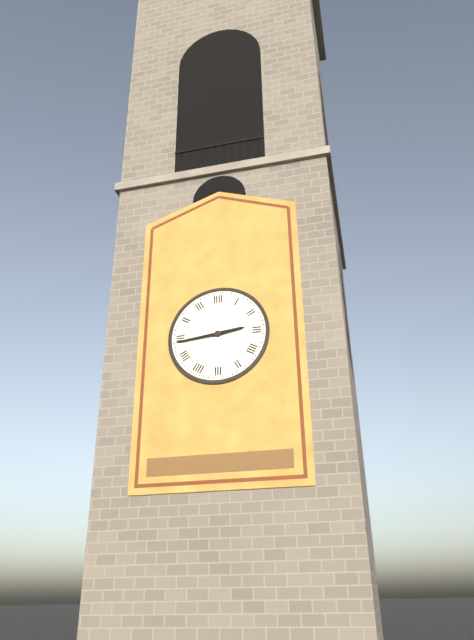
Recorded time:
2 h 44 min
